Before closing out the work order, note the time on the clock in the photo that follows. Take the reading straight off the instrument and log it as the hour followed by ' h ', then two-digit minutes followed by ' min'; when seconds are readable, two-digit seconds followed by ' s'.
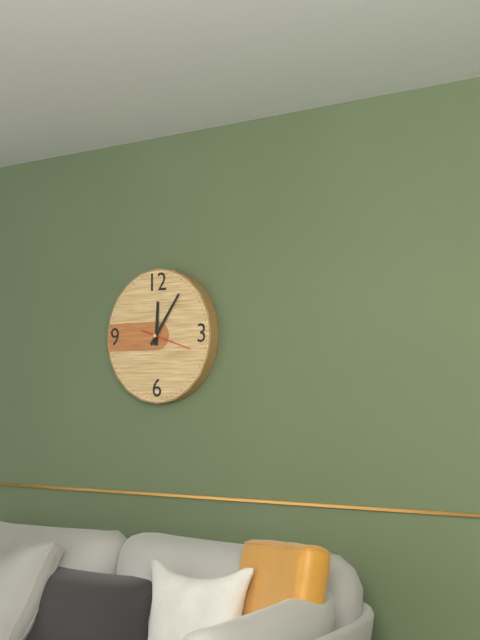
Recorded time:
12 h 06 min
